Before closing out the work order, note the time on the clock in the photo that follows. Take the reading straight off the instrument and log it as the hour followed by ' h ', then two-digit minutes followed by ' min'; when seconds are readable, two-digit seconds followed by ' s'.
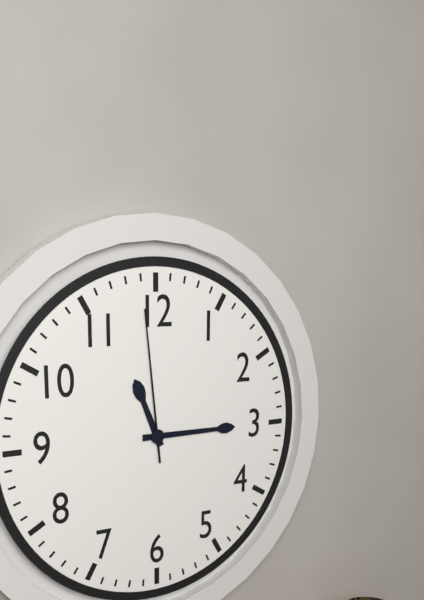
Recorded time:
11 h 15 min 59 s
